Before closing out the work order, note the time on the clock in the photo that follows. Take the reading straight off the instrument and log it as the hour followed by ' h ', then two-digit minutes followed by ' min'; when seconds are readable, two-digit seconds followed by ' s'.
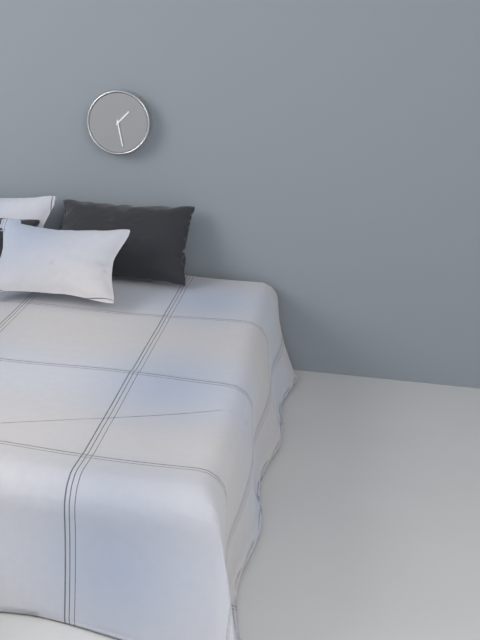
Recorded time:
1 h 28 min
